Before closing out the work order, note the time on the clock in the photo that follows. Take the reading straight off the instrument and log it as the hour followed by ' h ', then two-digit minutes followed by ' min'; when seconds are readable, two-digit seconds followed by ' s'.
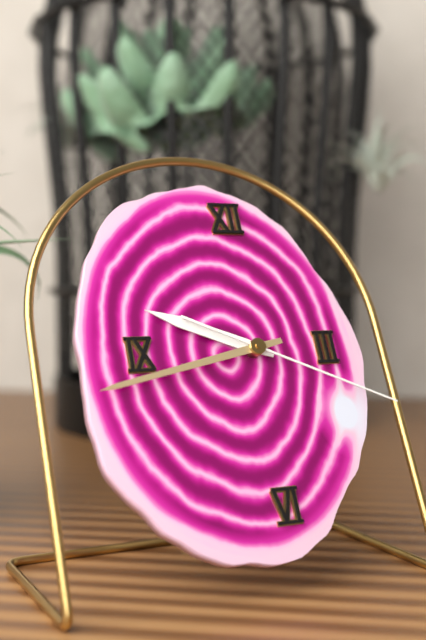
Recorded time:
9 h 43 min 19 s
